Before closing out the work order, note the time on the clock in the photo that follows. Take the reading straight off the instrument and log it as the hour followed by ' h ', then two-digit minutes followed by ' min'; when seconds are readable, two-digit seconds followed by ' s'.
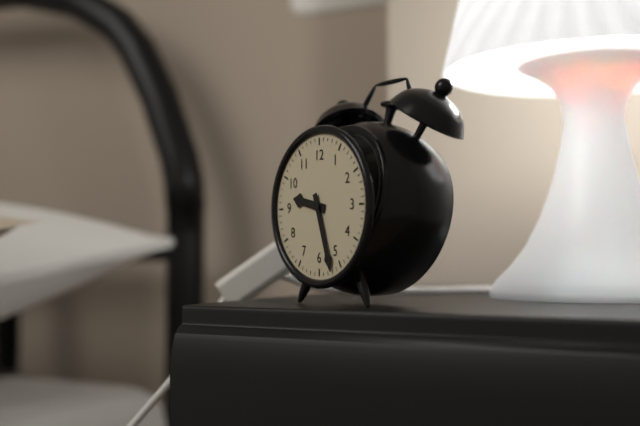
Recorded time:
9 h 27 min
